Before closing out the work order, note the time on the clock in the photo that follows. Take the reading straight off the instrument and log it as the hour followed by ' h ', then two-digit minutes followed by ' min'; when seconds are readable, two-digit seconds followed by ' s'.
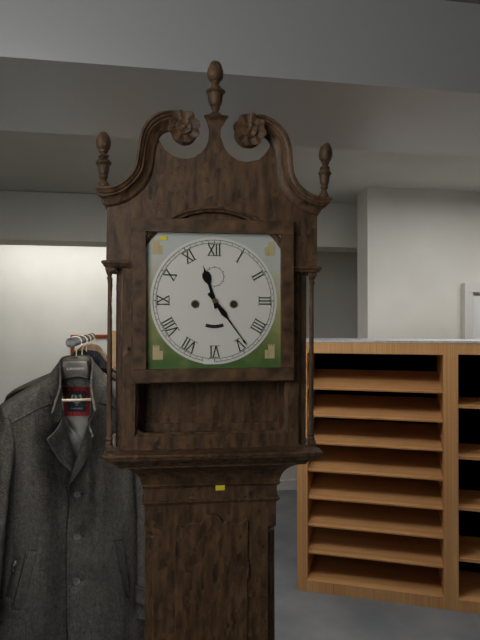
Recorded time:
11 h 24 min
